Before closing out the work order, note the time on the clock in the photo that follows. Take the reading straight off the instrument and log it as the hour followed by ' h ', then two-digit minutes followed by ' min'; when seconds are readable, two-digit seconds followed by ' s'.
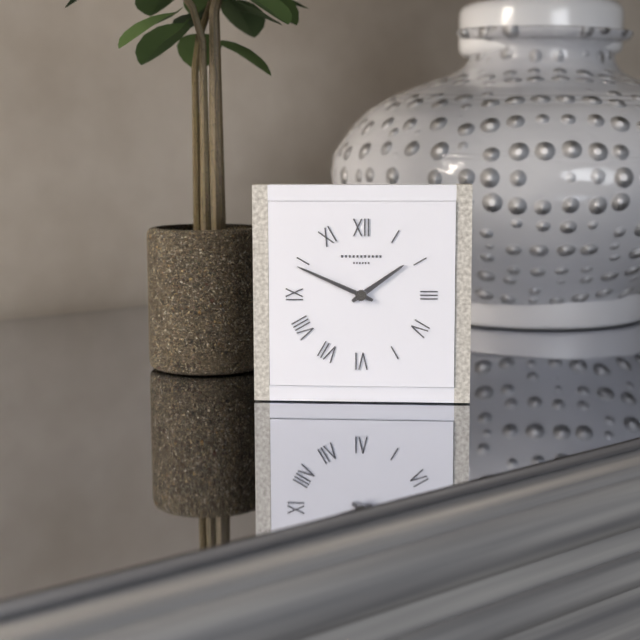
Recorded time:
1 h 49 min
